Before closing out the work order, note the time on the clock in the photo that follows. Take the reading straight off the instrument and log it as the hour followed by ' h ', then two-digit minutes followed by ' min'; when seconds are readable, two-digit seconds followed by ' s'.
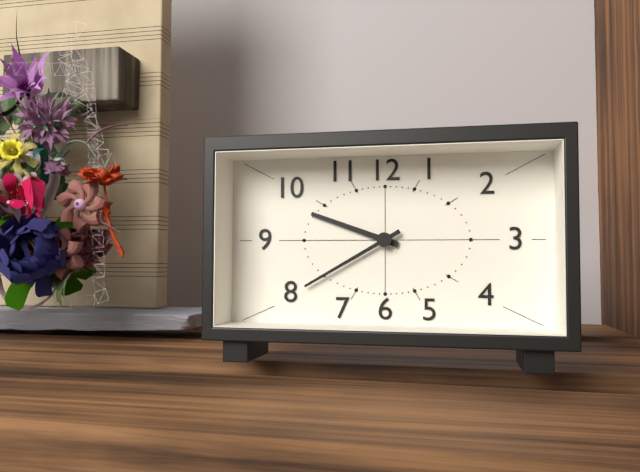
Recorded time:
9 h 40 min
